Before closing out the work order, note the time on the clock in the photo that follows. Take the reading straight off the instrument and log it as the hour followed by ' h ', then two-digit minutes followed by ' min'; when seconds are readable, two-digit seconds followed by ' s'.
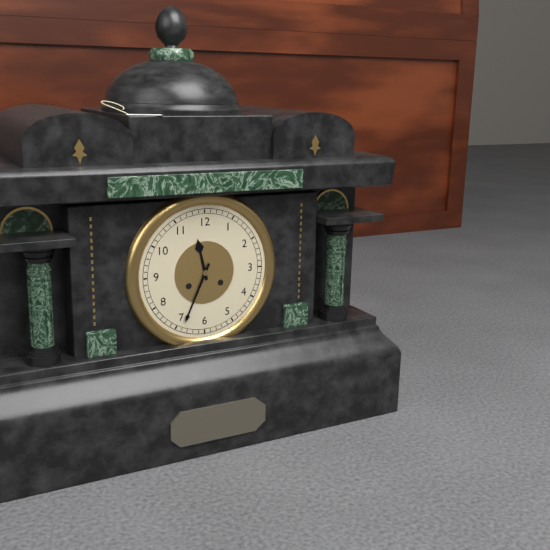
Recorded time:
11 h 34 min
